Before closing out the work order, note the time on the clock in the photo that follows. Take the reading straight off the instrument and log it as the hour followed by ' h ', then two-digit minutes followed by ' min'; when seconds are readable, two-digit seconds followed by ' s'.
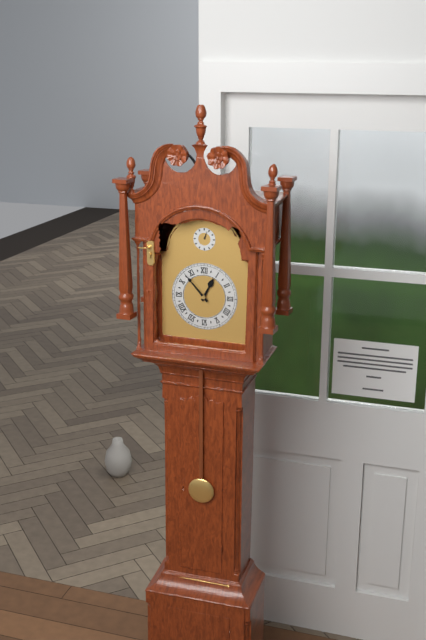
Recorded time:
12 h 53 min
